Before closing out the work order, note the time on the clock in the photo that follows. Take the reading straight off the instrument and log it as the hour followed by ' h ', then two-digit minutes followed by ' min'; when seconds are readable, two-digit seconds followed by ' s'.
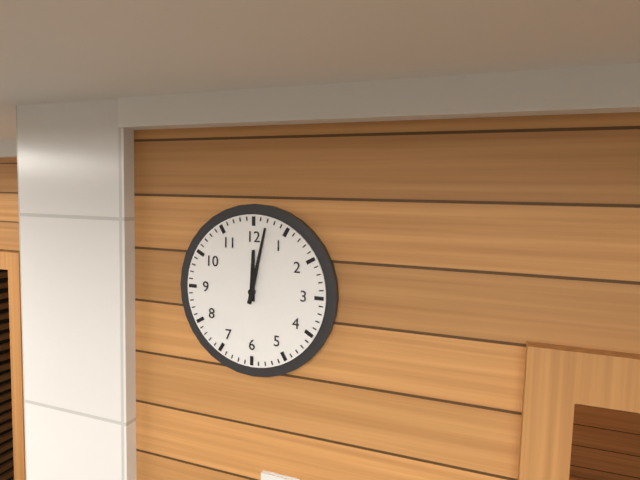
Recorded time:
12 h 02 min
